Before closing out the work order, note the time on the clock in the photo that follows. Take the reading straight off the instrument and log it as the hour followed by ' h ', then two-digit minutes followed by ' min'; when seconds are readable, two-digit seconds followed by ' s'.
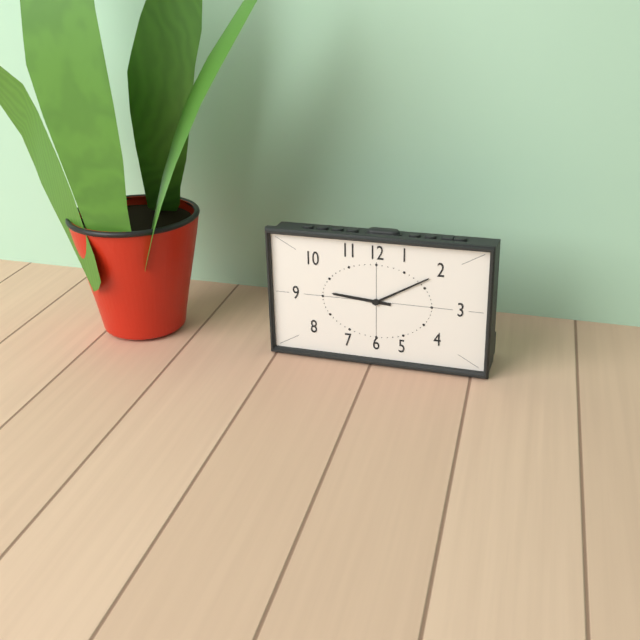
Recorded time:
9 h 10 min
